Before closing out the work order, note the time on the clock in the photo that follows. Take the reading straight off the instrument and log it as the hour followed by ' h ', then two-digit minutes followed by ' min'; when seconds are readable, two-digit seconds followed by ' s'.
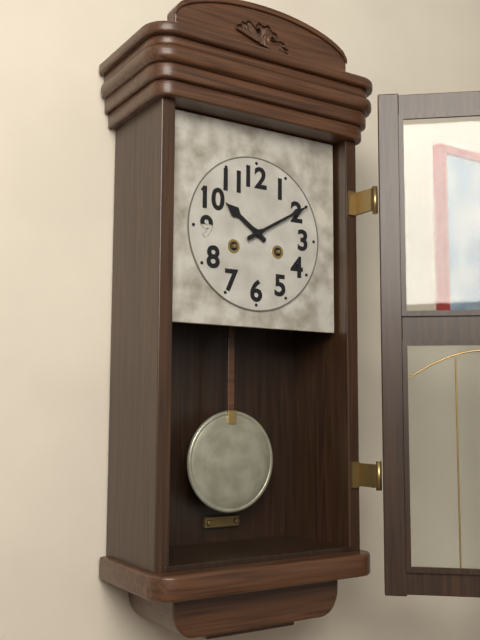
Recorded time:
10 h 10 min
